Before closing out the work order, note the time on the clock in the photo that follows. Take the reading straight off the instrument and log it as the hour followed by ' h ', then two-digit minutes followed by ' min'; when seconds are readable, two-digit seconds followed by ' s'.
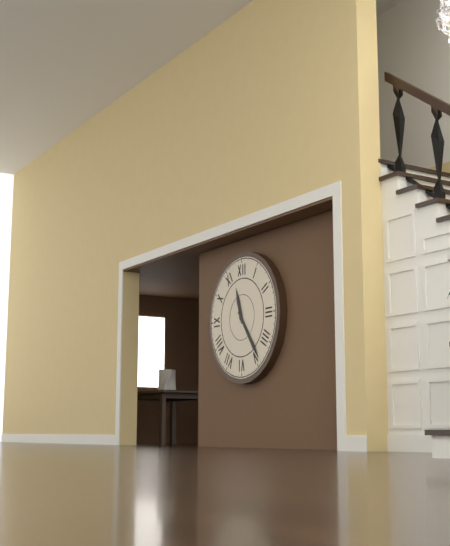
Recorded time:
11 h 24 min
